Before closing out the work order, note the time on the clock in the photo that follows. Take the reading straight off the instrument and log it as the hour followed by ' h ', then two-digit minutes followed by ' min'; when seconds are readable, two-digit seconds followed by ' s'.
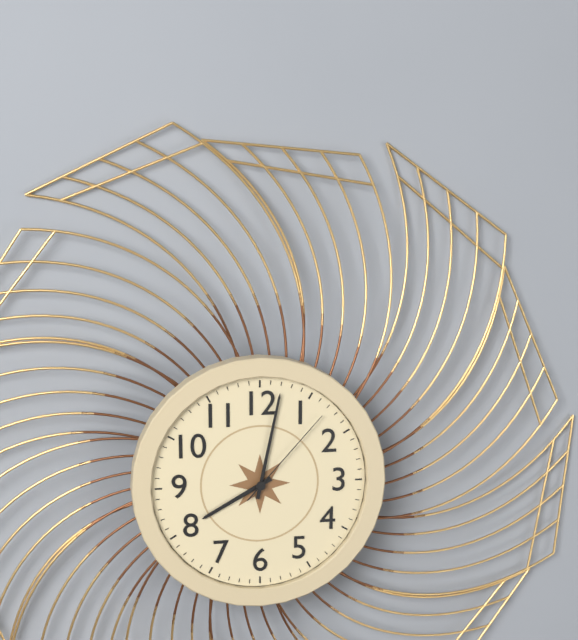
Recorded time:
8 h 02 min 07 s
